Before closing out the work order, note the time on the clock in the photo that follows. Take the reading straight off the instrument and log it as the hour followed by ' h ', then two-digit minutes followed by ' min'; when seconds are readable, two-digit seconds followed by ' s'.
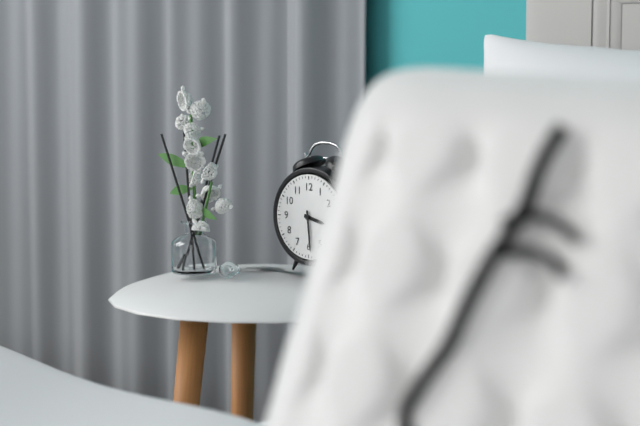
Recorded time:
3 h 29 min
